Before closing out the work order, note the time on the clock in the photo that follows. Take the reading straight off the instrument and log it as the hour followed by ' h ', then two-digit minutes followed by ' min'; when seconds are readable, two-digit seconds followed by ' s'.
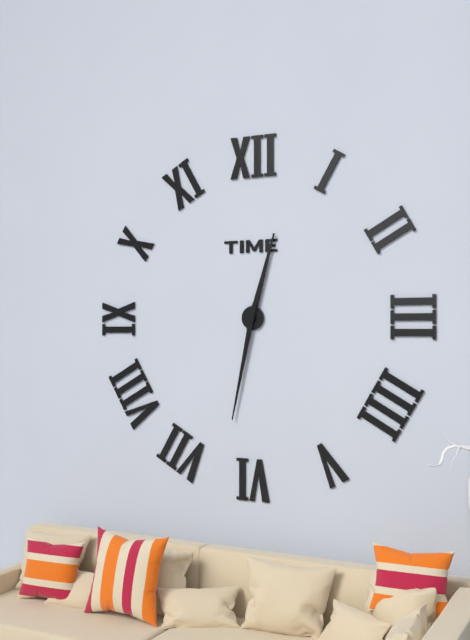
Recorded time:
12 h 32 min
